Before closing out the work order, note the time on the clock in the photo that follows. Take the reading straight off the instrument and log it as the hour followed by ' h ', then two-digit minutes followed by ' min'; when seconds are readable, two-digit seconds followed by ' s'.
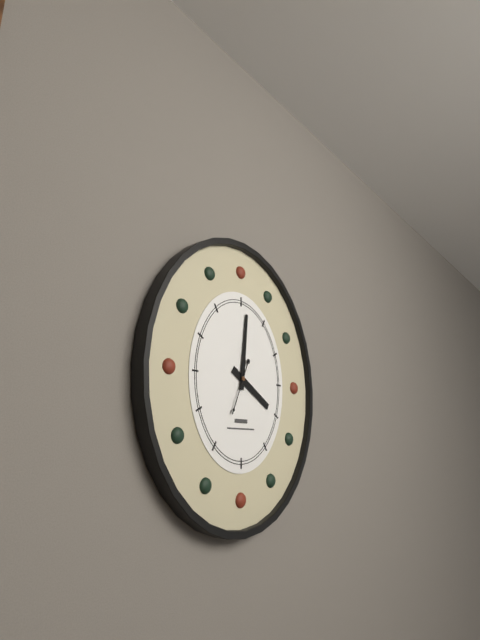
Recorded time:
4 h 01 min
